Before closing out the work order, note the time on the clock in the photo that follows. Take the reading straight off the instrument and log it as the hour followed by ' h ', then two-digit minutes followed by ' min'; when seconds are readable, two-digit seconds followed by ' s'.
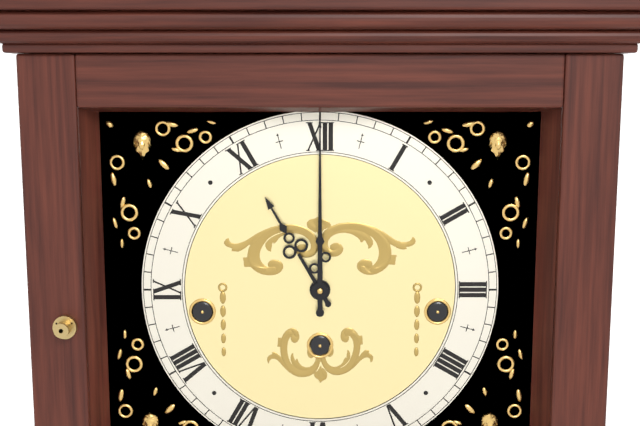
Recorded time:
11 h 00 min
